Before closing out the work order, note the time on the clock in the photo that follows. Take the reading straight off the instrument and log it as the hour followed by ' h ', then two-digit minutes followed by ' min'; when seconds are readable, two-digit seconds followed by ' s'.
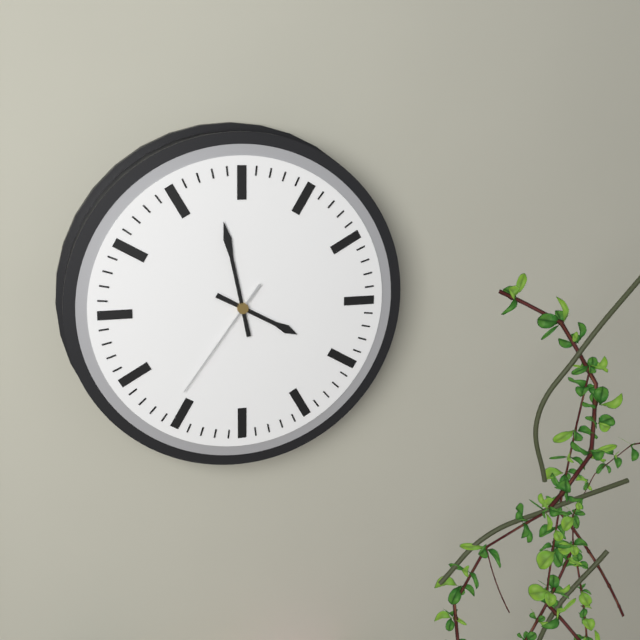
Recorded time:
3 h 58 min 36 s
